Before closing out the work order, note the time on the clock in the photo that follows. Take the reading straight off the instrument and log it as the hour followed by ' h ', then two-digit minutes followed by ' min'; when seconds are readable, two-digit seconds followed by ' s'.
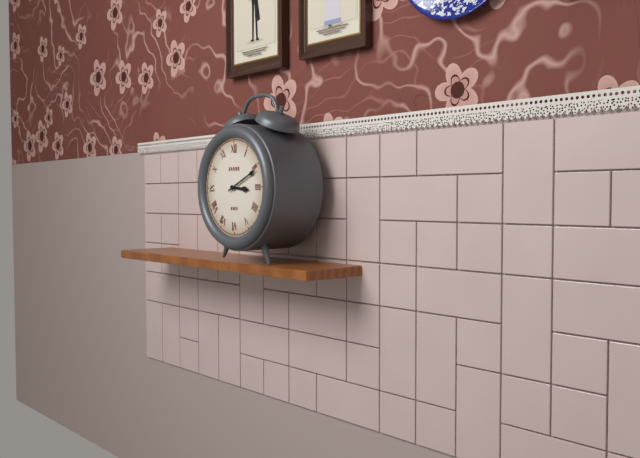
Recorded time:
3 h 11 min
